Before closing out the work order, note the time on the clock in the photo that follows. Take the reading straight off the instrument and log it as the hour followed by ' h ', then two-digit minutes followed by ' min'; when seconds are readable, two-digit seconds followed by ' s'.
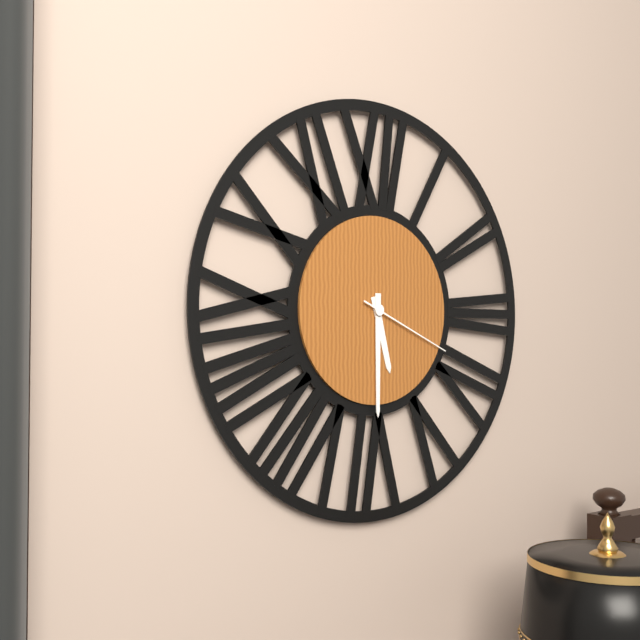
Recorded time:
5 h 30 min 19 s
